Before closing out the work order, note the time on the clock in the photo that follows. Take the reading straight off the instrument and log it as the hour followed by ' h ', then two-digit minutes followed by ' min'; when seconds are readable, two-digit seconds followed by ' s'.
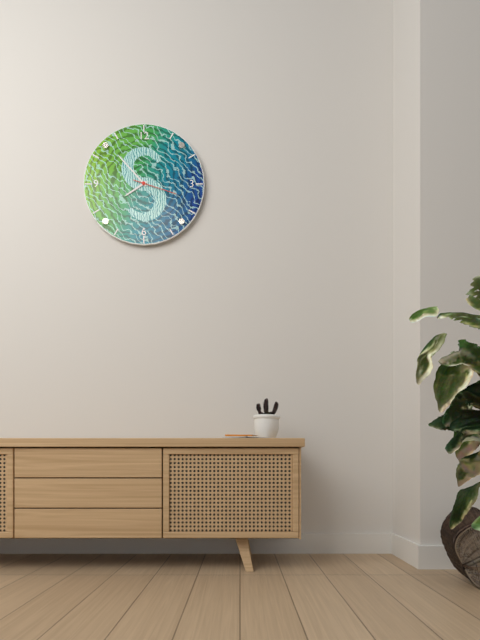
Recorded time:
7 h 53 min
